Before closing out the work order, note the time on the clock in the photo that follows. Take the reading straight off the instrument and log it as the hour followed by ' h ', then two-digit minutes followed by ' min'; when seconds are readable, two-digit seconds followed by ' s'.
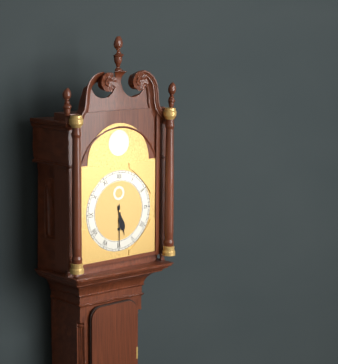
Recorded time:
5 h 30 min
